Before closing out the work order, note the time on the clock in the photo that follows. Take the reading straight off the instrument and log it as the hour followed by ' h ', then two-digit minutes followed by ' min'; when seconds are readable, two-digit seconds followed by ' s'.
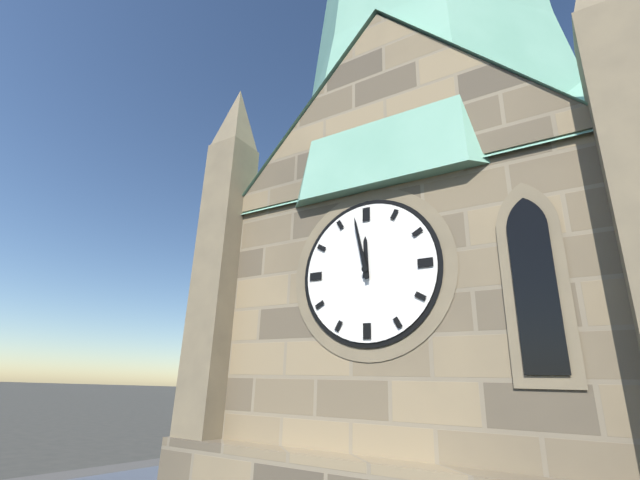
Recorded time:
11 h 58 min
